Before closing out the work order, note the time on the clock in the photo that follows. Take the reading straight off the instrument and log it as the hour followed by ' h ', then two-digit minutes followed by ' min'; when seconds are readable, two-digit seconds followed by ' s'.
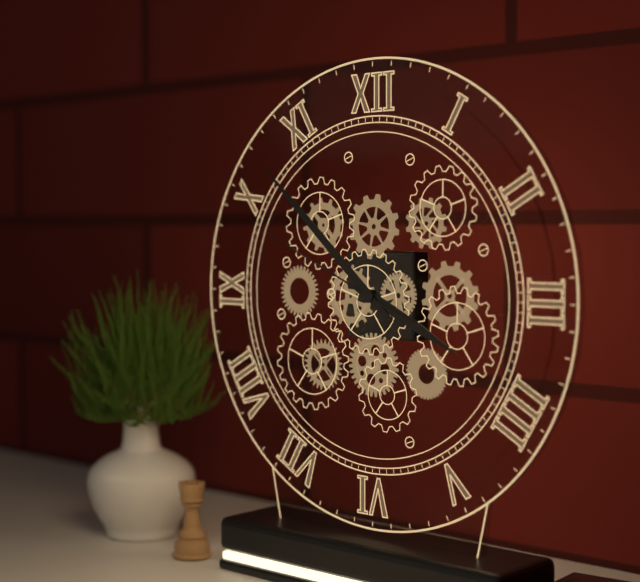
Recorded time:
3 h 52 min 49 s
